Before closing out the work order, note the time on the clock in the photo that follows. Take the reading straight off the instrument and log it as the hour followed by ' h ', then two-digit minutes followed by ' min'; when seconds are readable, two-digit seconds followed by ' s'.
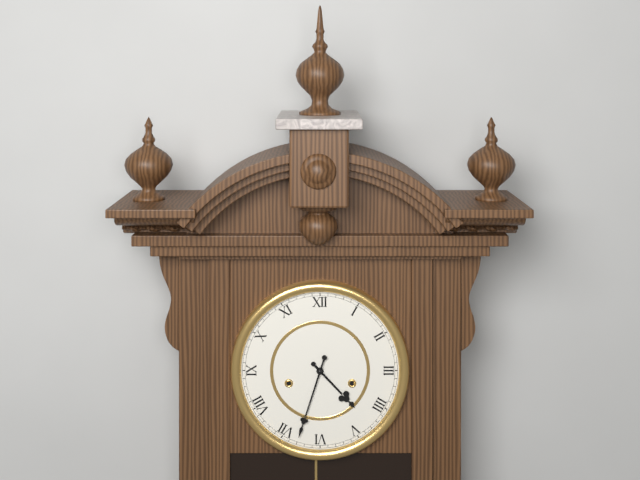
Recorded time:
4 h 33 min
